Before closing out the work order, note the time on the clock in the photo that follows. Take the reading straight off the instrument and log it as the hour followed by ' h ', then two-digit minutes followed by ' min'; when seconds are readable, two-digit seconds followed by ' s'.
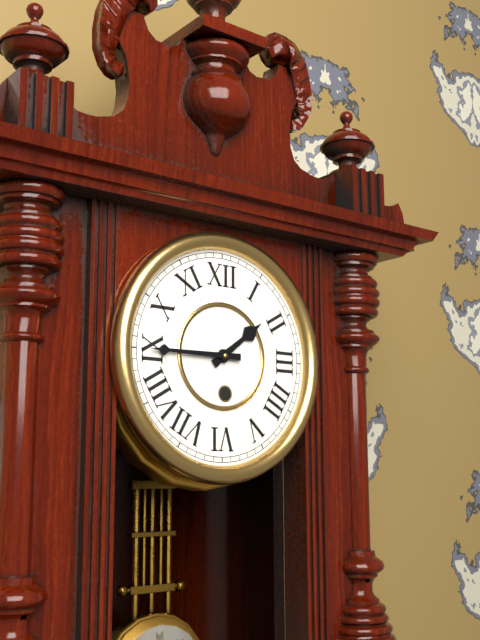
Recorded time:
1 h 45 min
